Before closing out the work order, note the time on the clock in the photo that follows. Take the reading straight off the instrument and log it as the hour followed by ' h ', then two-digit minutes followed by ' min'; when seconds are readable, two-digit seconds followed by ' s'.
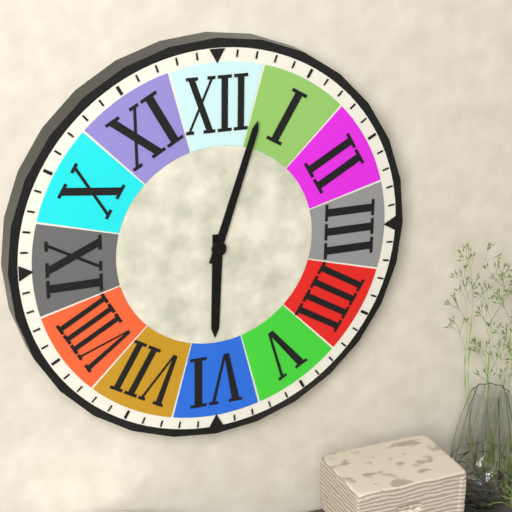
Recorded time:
6 h 03 min
